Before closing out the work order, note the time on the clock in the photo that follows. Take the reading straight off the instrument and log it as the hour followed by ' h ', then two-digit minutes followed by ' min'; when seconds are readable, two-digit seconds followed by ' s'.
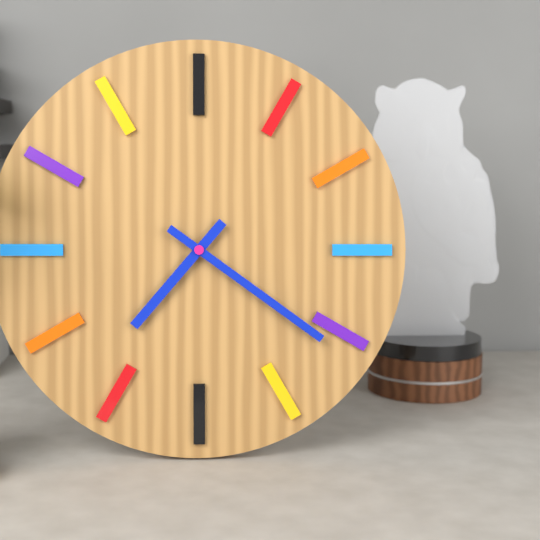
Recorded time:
7 h 21 min
